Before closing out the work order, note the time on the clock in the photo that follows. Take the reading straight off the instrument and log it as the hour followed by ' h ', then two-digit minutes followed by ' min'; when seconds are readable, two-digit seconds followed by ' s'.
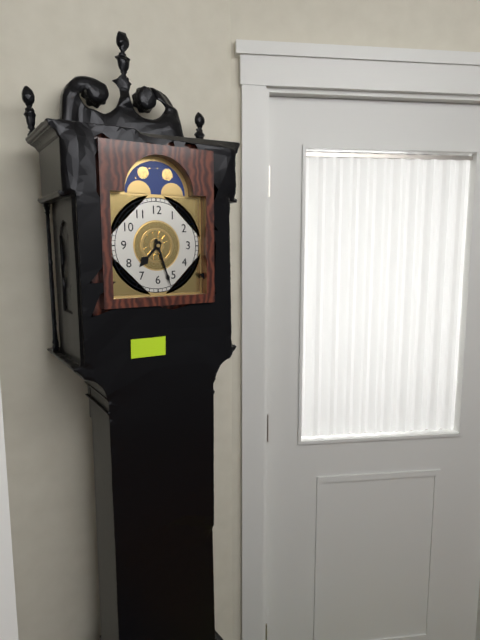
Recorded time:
7 h 27 min
